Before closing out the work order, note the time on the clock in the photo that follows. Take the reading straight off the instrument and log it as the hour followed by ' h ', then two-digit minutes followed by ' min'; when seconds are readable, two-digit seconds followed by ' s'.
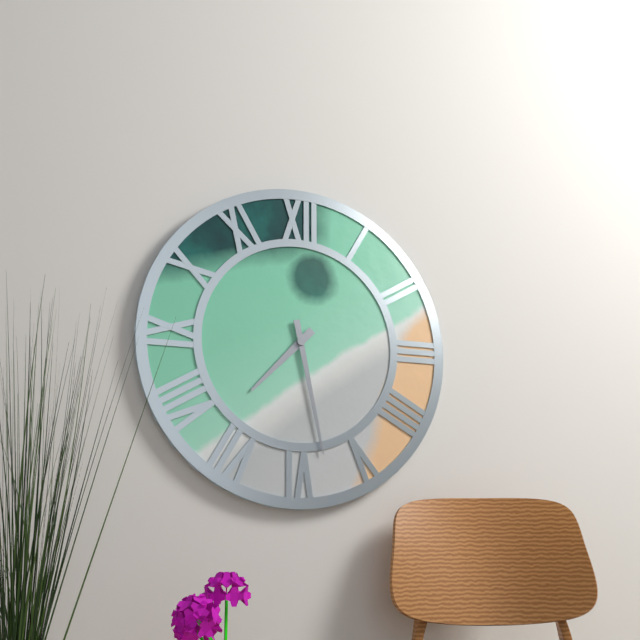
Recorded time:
7 h 28 min
